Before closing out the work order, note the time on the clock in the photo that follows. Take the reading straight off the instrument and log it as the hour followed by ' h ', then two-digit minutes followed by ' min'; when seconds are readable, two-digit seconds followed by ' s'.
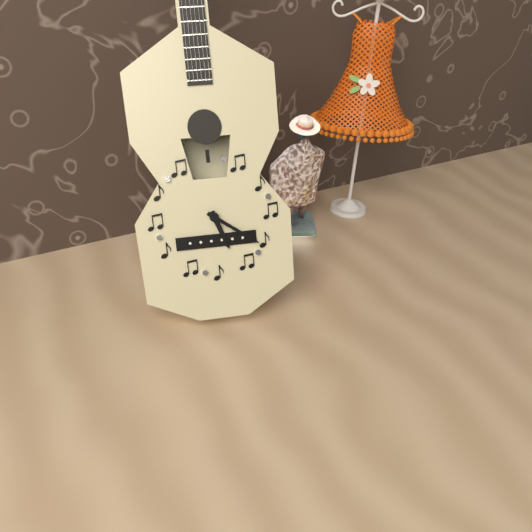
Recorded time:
5 h 21 min
